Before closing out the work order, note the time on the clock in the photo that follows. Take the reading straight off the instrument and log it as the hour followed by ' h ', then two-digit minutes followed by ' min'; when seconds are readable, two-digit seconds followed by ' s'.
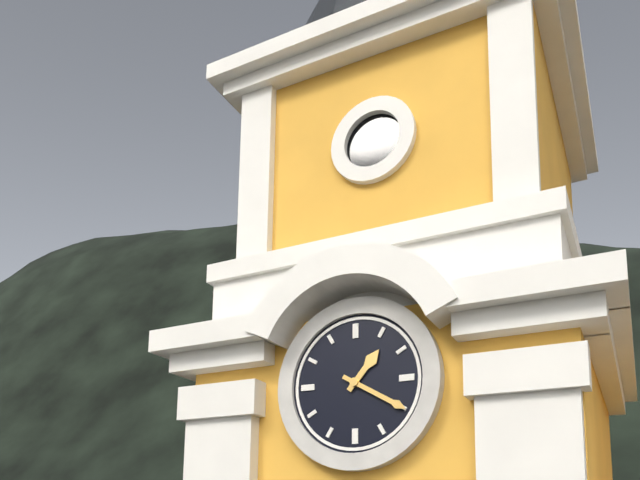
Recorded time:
1 h 20 min
